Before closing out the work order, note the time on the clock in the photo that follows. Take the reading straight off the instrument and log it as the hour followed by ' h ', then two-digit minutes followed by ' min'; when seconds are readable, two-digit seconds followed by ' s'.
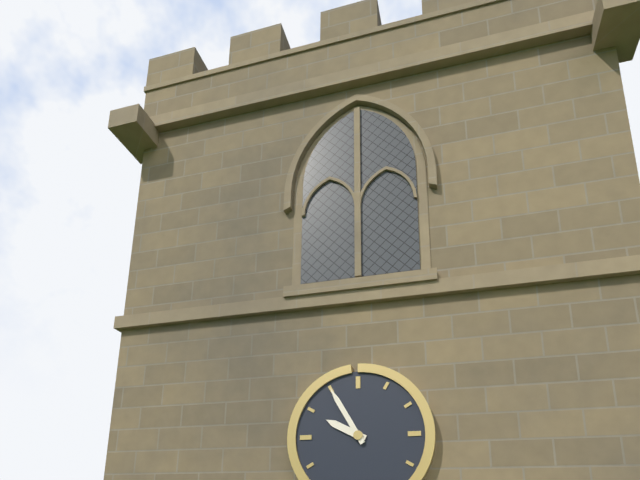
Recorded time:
9 h 55 min
